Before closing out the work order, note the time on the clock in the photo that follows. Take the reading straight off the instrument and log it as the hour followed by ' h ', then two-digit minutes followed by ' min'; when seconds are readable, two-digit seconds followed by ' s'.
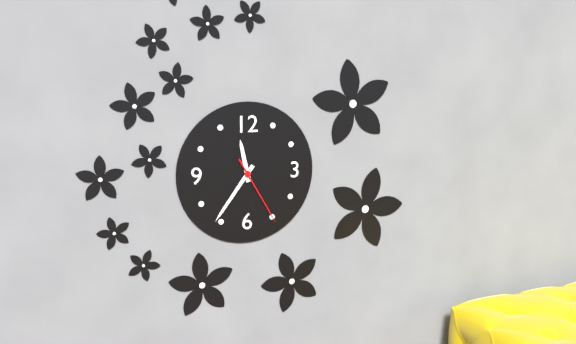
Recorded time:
11 h 36 min 25 s
